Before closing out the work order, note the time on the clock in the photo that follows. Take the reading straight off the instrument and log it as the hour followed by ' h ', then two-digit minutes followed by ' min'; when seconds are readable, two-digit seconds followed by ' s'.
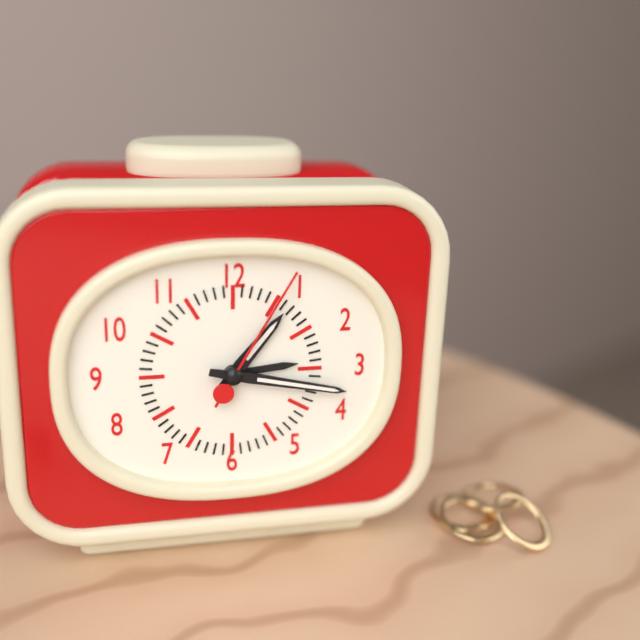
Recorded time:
1 h 17 min 05 s
